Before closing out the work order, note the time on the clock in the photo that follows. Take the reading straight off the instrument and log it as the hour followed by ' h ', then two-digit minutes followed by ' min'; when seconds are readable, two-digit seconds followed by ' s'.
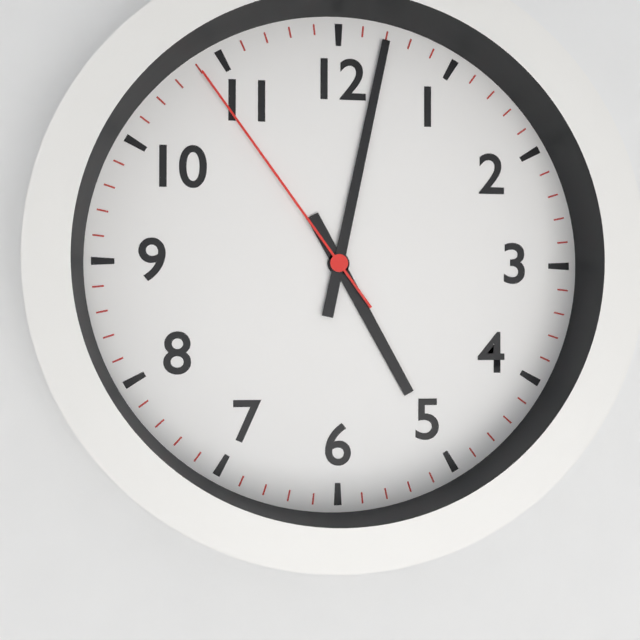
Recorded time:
5 h 02 min 54 s
